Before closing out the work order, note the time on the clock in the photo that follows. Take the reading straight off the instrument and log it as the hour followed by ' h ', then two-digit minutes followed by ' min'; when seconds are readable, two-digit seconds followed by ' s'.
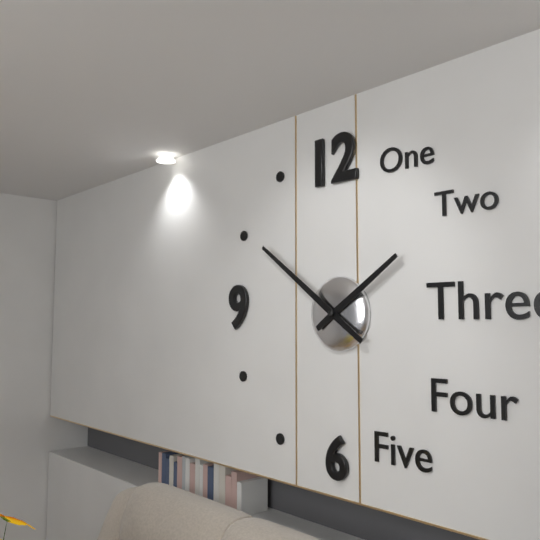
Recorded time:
1 h 51 min
